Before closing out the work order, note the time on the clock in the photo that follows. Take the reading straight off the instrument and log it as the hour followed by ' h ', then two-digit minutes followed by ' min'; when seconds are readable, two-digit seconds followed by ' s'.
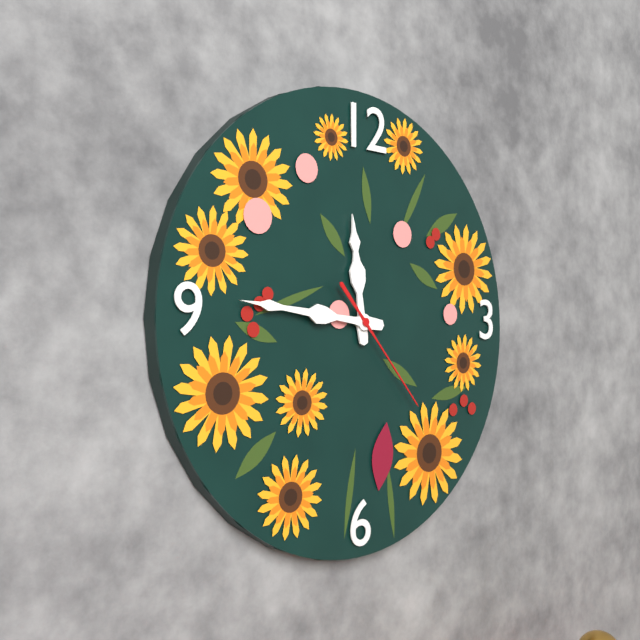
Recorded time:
11 h 46 min 23 s
